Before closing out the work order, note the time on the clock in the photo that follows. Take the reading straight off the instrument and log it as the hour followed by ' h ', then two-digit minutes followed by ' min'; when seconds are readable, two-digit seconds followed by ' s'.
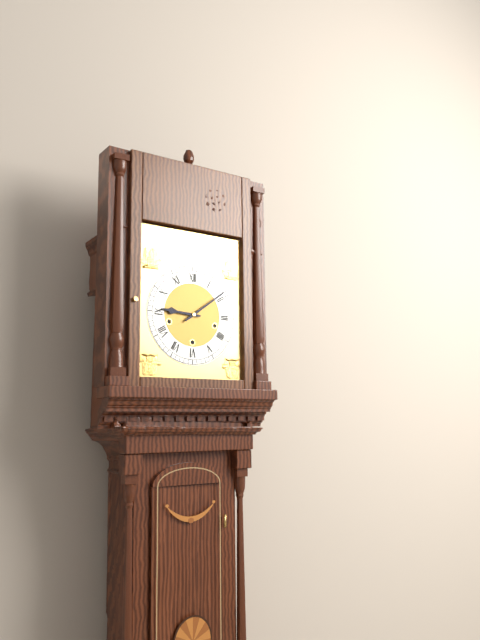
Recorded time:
9 h 09 min
